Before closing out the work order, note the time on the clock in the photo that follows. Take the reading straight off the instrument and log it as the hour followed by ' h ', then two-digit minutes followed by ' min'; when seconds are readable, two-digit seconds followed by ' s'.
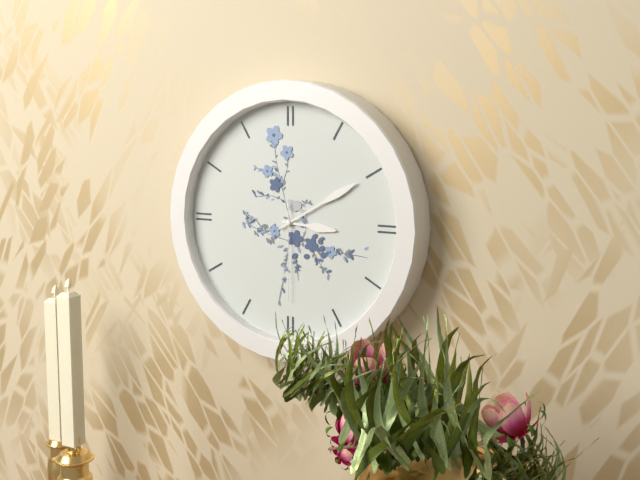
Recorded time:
3 h 10 min 30 s
